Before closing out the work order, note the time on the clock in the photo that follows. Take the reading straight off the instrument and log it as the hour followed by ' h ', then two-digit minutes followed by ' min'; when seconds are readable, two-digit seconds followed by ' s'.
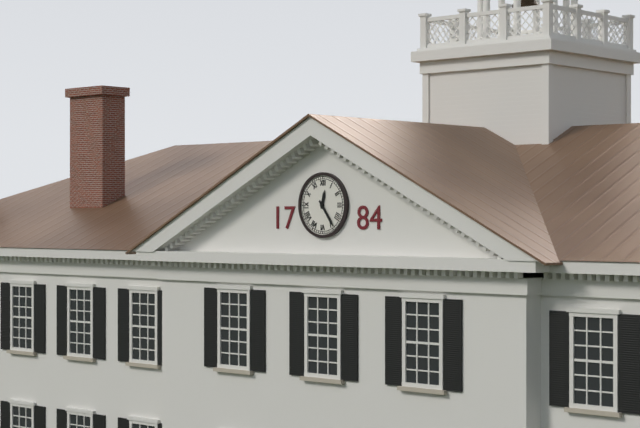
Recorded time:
12 h 24 min
